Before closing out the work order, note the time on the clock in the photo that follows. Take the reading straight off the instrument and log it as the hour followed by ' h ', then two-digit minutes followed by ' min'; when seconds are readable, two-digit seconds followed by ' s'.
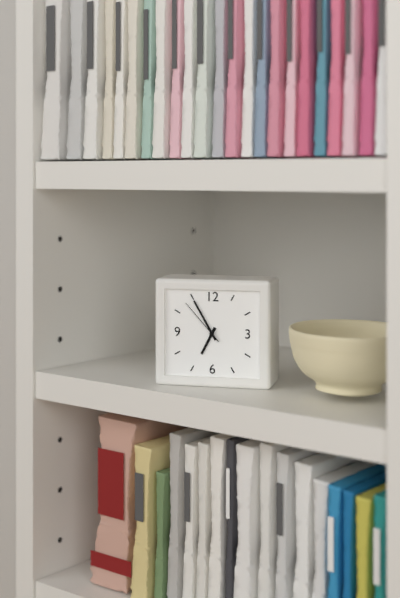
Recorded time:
6 h 55 min 53 s
